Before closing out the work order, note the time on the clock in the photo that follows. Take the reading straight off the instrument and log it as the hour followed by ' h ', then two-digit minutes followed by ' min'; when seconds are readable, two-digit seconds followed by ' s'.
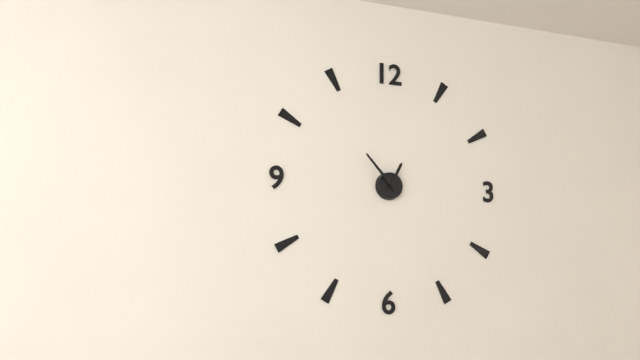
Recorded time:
12 h 53 min
